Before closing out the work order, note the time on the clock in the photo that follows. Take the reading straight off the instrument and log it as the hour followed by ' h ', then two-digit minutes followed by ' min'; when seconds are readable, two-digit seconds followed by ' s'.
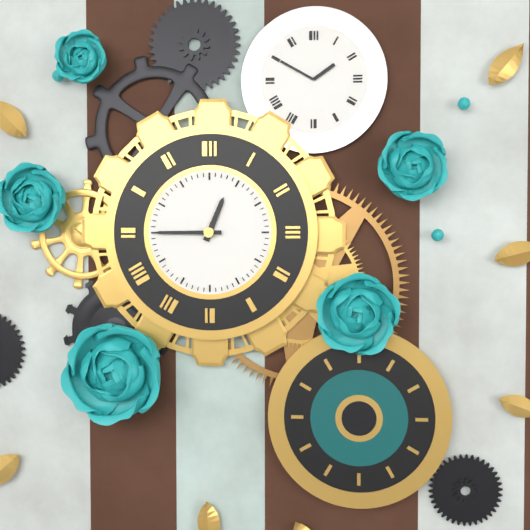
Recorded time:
12 h 45 min
